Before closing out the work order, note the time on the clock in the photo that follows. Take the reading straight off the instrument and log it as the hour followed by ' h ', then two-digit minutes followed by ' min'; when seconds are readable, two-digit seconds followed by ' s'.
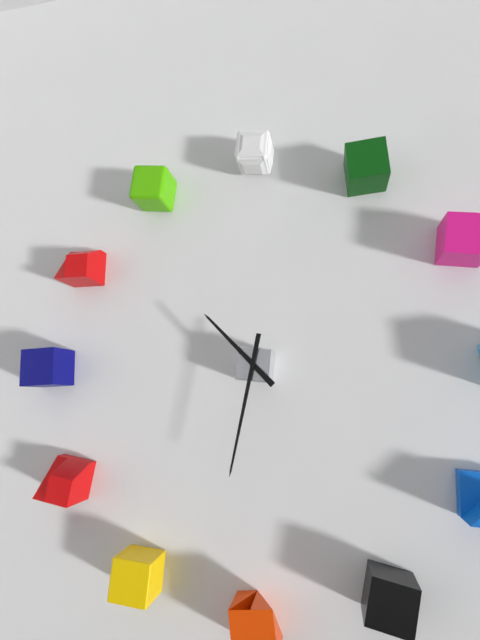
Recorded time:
10 h 32 min
